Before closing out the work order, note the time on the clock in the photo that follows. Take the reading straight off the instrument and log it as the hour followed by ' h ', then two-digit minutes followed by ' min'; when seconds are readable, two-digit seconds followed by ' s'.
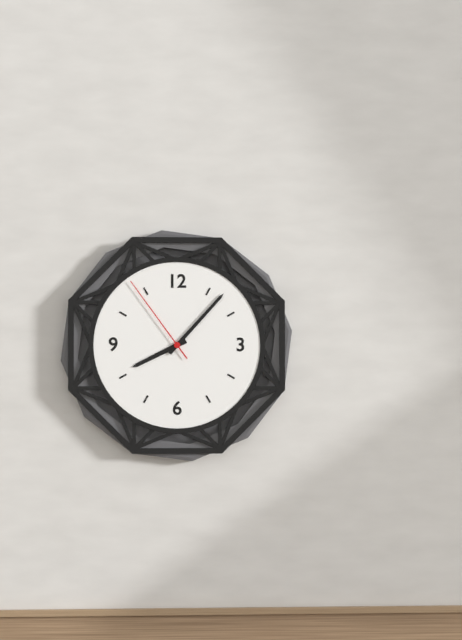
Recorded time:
8 h 07 min 54 s
